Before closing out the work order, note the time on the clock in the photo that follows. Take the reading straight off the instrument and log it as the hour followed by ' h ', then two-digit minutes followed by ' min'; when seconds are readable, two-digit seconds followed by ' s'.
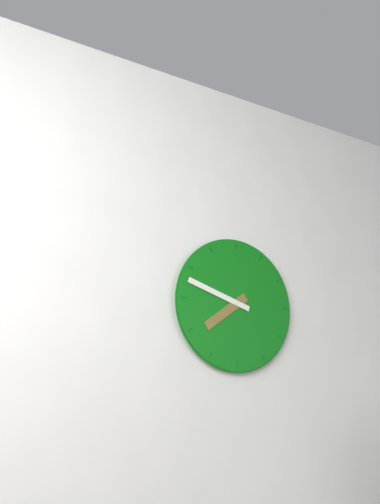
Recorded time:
7 h 48 min
